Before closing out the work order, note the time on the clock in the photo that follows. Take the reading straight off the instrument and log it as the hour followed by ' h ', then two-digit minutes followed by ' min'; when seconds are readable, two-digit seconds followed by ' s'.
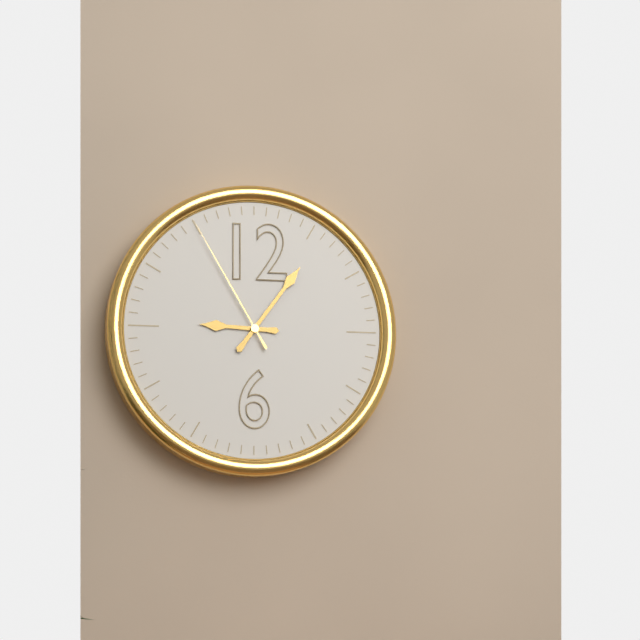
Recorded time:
9 h 06 min 55 s
